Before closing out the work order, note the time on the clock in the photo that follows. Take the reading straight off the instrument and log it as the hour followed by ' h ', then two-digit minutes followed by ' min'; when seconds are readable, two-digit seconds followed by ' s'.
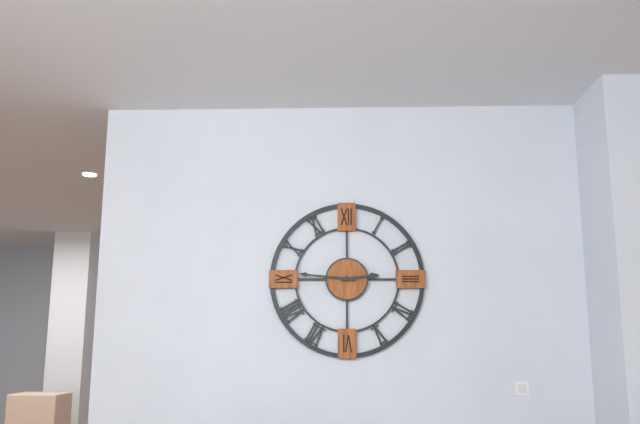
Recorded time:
2 h 46 min
